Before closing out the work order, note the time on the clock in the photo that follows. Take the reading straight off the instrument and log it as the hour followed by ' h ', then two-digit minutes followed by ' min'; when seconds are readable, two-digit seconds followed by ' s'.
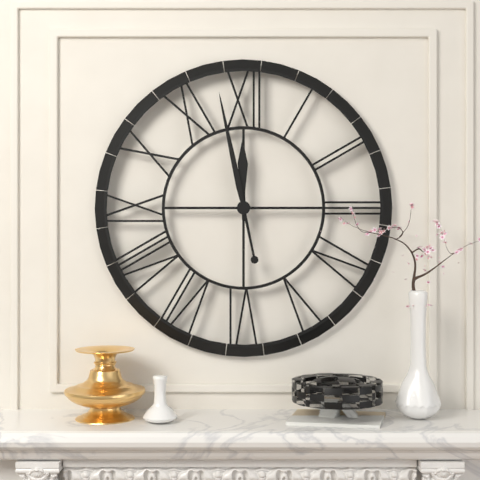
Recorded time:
11 h 58 min
